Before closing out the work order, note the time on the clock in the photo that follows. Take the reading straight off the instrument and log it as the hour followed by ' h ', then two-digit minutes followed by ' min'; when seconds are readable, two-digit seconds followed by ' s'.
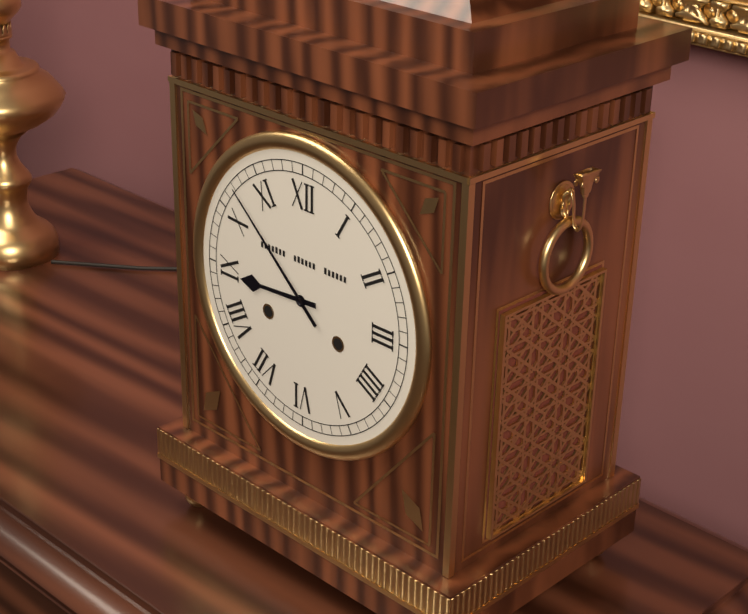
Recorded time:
8 h 52 min
